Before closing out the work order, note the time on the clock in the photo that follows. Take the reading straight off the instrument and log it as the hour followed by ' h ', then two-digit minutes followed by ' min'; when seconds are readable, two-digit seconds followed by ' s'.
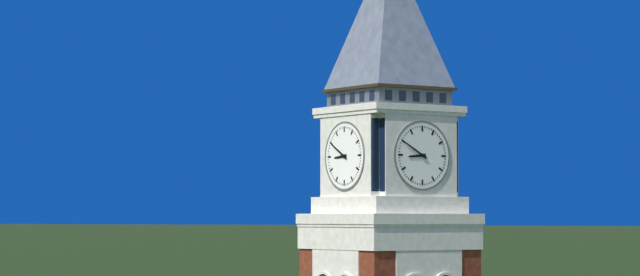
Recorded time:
8 h 50 min
